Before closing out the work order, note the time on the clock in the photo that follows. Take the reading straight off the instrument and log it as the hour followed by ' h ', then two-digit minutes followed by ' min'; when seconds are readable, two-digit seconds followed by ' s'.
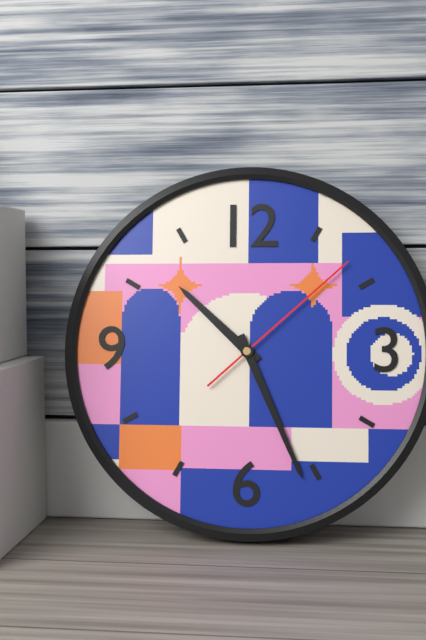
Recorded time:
10 h 26 min 08 s
